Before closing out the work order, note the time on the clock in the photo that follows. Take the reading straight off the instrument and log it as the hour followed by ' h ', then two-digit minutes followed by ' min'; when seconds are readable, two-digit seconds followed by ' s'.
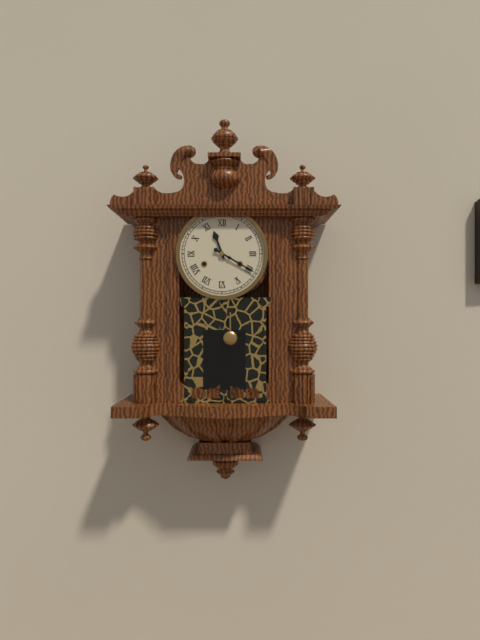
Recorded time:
11 h 20 min
